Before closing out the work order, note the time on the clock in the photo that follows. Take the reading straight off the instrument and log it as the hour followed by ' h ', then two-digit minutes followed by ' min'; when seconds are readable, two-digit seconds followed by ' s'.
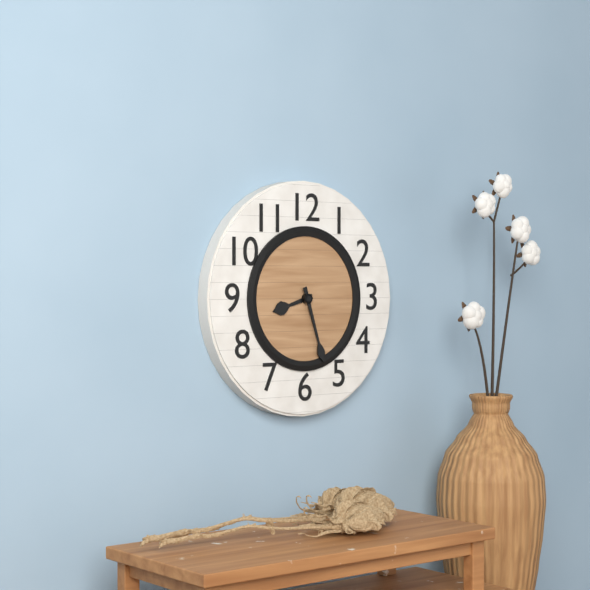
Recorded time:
8 h 27 min
